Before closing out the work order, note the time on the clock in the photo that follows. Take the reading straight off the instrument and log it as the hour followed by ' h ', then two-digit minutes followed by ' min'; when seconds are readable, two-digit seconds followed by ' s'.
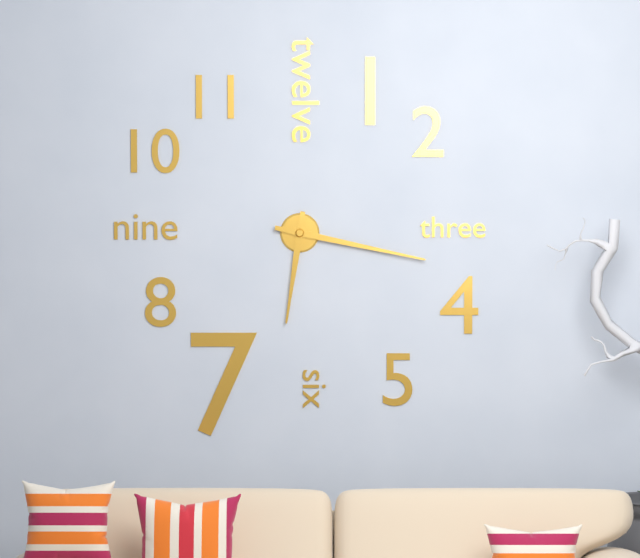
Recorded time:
6 h 17 min
